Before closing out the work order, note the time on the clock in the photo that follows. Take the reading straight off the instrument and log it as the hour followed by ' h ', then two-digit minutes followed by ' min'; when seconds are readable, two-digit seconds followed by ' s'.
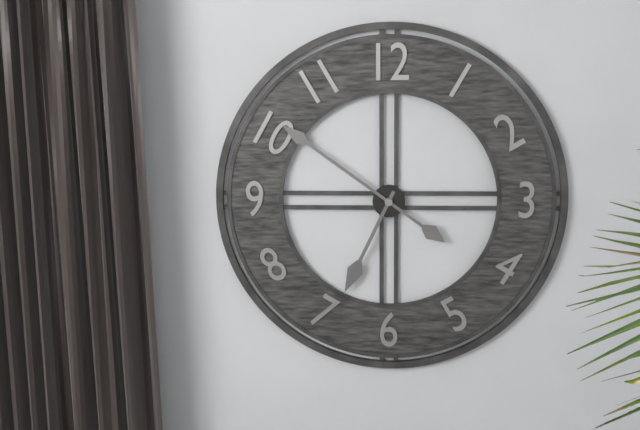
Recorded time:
6 h 51 min
